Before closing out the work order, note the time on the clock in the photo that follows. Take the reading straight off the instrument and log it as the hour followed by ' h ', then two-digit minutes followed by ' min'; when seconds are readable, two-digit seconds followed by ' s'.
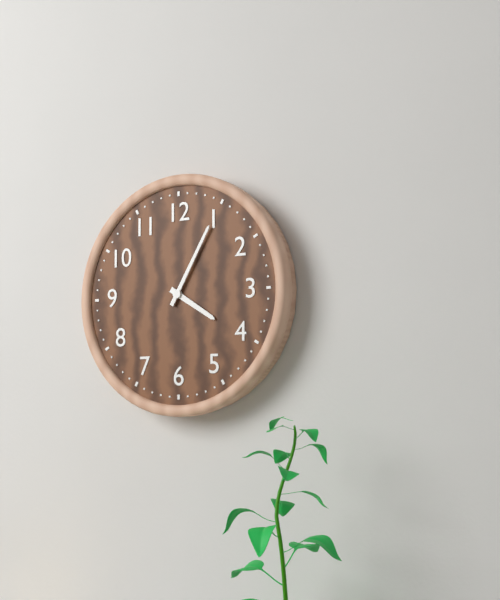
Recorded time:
4 h 05 min
